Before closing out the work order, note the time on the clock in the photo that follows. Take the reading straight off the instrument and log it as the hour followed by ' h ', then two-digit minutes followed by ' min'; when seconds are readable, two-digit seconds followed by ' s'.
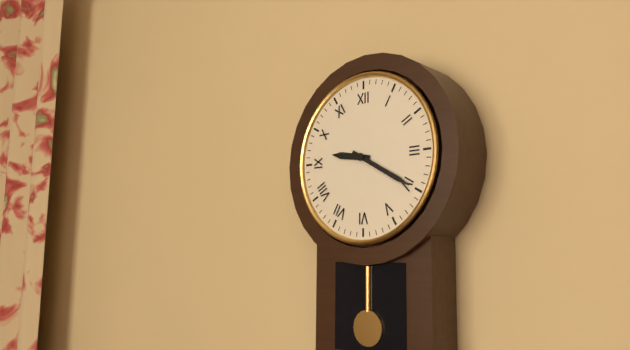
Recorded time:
9 h 20 min
